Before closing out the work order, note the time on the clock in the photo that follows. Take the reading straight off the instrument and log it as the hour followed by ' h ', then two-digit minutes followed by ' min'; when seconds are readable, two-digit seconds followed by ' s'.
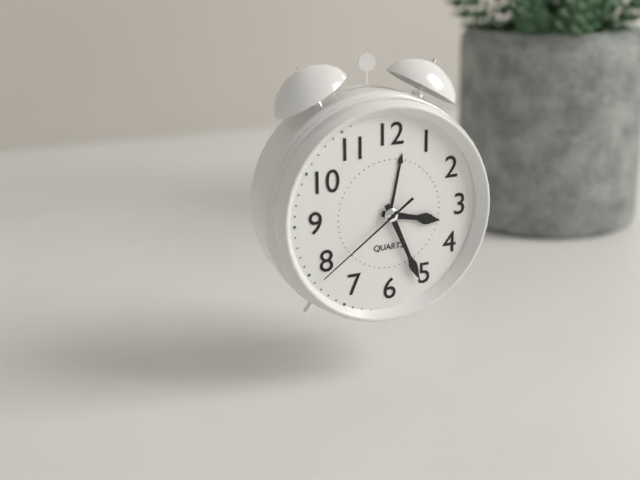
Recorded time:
3 h 26 min 39 s
